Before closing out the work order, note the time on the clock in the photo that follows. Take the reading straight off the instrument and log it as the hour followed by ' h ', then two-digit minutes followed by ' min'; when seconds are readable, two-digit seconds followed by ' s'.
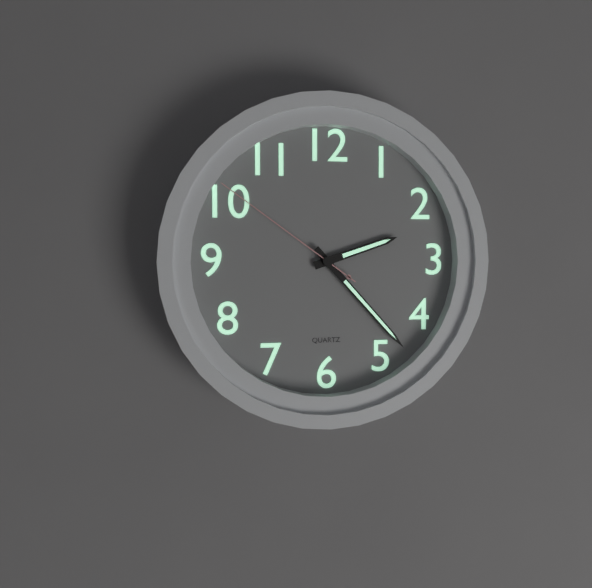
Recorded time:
2 h 23 min 51 s
